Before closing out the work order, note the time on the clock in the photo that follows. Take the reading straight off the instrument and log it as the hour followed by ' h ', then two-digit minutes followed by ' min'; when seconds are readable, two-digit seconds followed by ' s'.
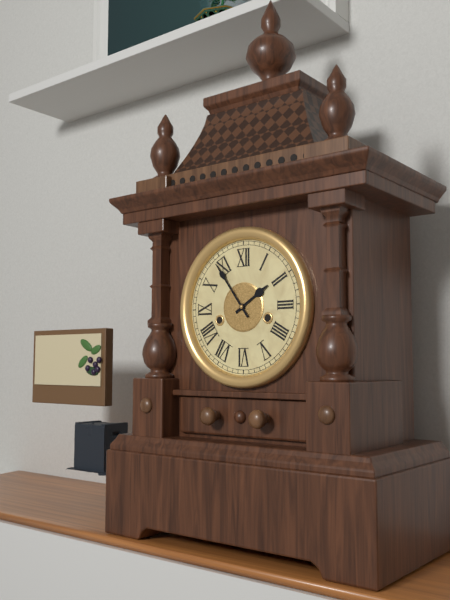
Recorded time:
1 h 54 min
